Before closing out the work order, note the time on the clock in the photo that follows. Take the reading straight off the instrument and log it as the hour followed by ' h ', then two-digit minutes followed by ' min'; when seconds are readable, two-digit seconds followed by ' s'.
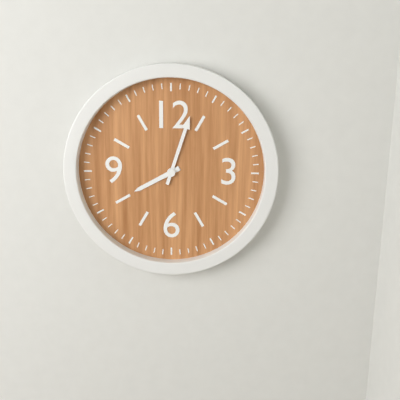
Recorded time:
8 h 03 min
